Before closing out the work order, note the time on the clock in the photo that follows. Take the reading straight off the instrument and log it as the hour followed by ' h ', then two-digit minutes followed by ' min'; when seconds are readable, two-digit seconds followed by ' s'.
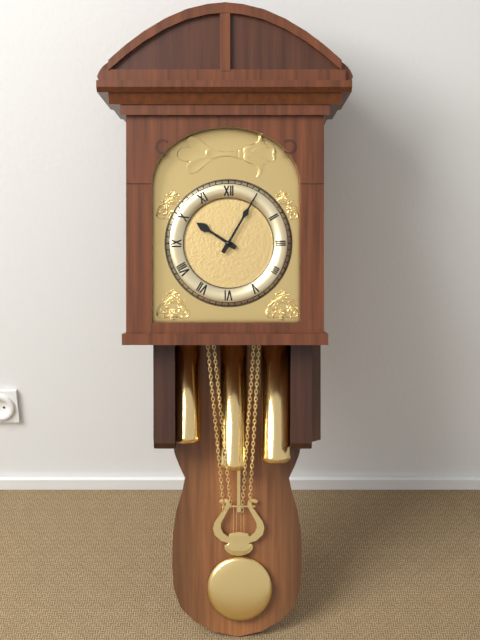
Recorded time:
10 h 05 min
